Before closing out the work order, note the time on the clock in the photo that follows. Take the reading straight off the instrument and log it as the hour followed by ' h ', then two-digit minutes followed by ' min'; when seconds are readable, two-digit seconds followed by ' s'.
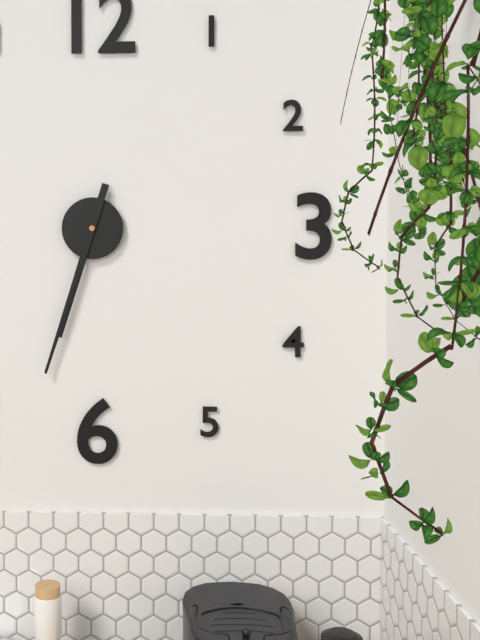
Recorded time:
6 h 33 min
